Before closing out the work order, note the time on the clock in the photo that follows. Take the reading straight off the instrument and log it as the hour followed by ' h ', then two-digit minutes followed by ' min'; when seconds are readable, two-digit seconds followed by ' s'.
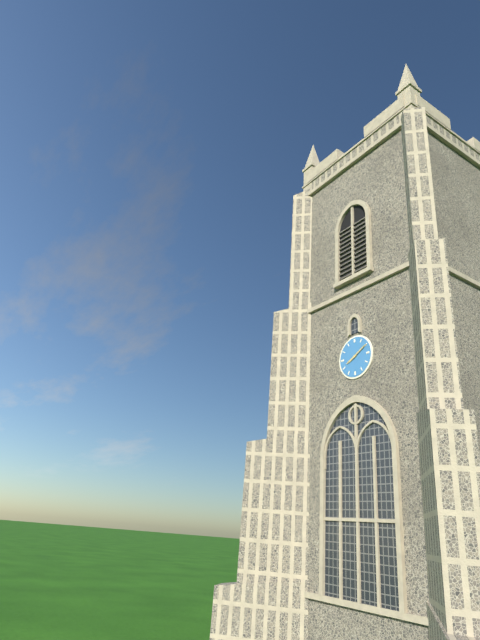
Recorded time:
8 h 10 min
